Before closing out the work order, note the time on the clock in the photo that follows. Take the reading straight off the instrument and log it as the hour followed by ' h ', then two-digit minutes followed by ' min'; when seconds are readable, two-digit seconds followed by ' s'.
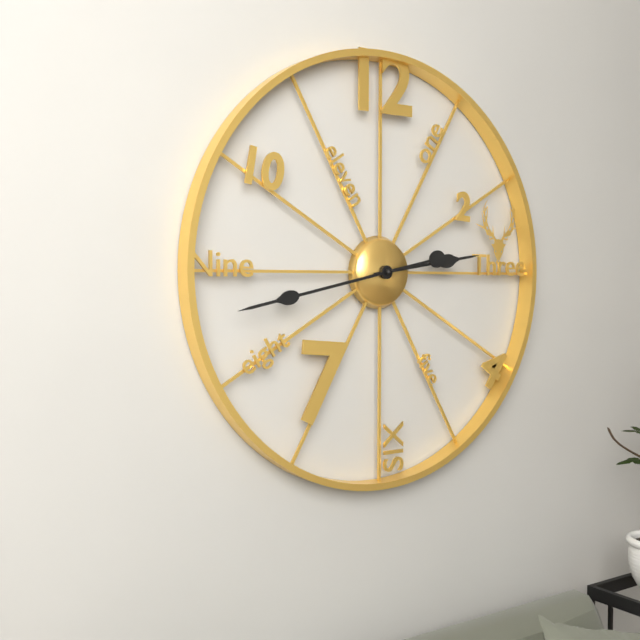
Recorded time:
2 h 43 min
